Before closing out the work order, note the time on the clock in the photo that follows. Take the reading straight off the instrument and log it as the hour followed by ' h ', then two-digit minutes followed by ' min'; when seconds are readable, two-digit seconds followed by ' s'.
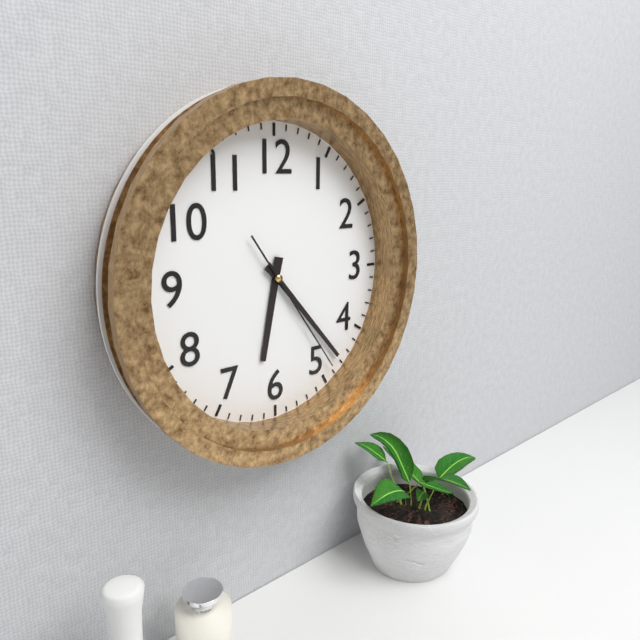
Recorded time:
6 h 23 min 24 s
